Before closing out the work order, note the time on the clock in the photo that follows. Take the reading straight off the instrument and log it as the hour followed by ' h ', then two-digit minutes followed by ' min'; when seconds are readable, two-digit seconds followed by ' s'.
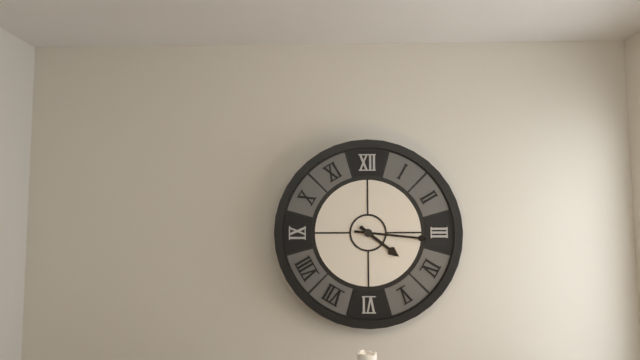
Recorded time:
4 h 16 min
